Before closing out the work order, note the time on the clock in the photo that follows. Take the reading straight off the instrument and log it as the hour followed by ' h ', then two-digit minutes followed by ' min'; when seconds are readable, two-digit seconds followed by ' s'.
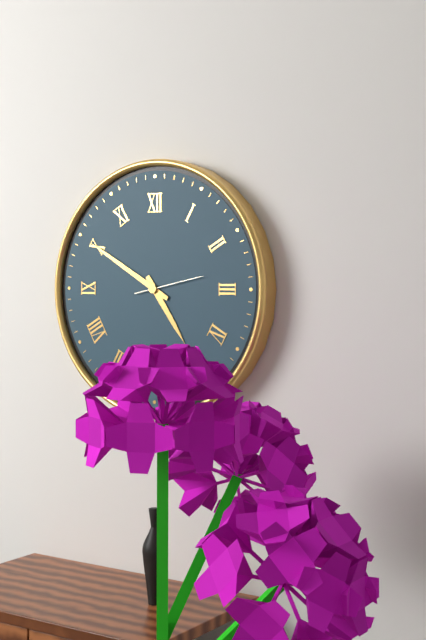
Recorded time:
4 h 50 min 13 s
